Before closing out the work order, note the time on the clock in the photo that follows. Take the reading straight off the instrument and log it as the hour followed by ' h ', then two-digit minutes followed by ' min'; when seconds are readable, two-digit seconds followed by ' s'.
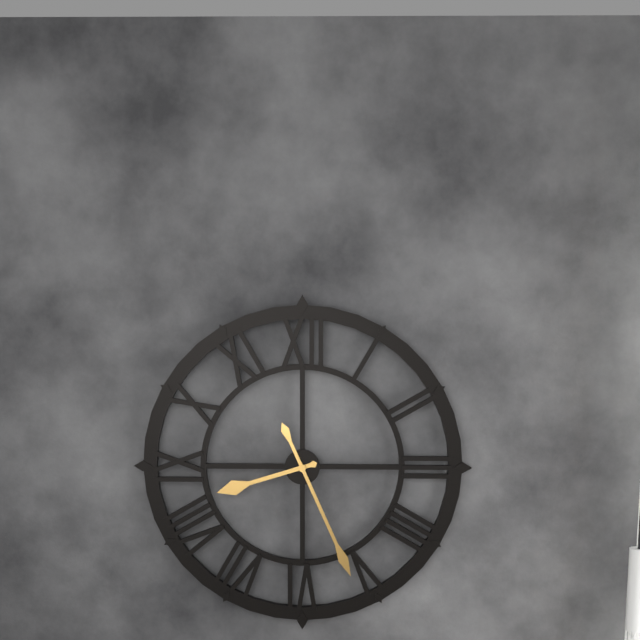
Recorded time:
8 h 26 min
